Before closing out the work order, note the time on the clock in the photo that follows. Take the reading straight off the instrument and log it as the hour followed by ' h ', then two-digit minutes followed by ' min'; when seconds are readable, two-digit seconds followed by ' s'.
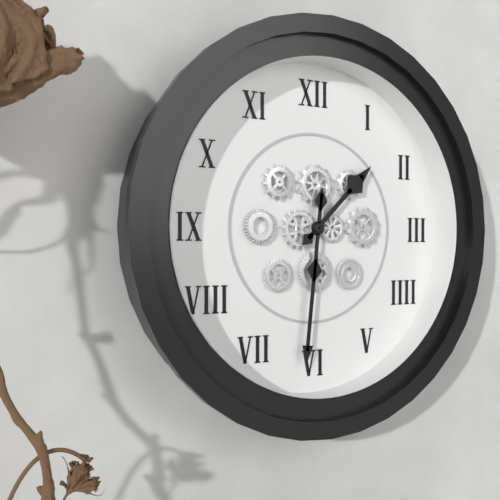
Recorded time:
1 h 31 min
